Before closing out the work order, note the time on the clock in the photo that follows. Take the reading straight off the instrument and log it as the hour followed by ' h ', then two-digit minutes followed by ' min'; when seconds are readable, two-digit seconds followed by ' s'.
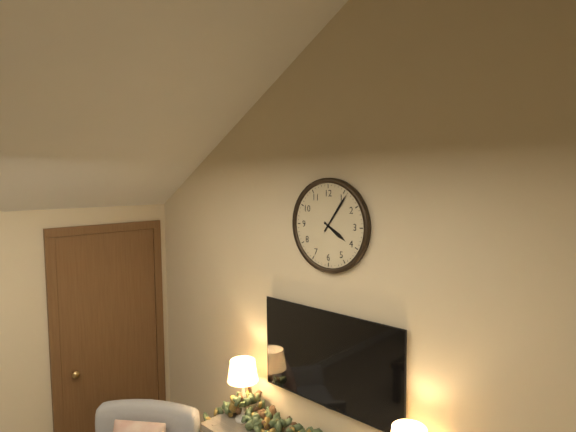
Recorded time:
4 h 06 min
